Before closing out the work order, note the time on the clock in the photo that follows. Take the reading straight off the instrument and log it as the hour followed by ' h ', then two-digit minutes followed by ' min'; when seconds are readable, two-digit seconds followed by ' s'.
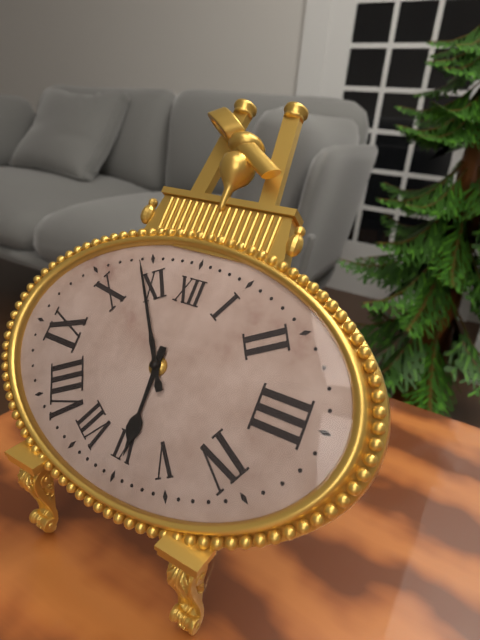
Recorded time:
5 h 54 min
